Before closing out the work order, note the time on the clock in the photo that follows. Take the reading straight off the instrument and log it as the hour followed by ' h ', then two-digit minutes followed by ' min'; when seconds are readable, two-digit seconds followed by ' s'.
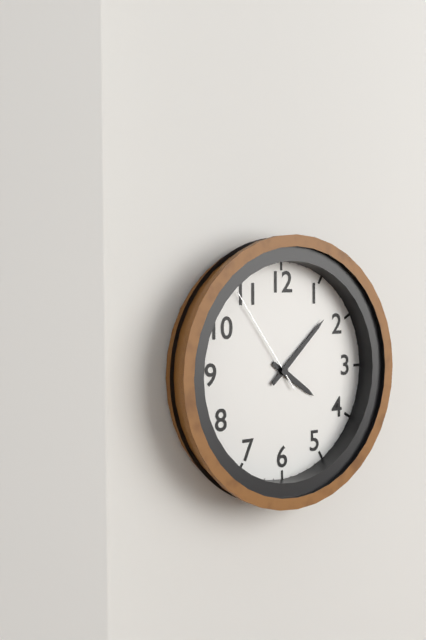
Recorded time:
4 h 08 min 54 s
